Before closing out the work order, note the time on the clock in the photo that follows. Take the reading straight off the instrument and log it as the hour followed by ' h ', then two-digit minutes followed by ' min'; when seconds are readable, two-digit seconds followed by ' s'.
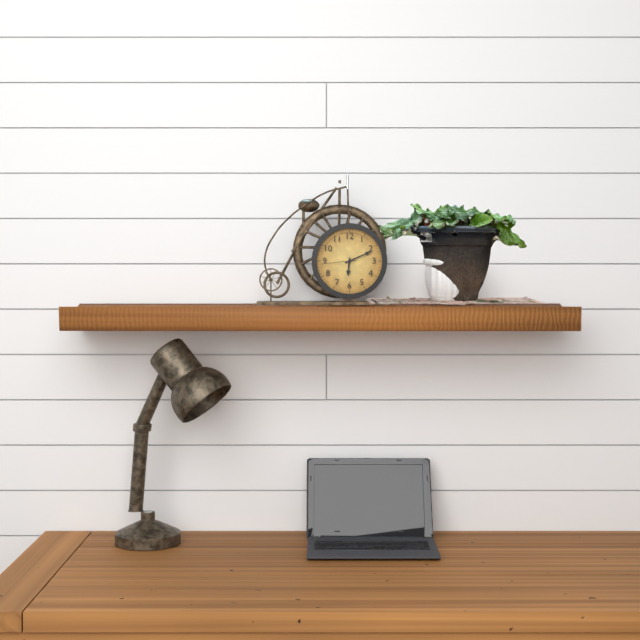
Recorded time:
6 h 11 min
